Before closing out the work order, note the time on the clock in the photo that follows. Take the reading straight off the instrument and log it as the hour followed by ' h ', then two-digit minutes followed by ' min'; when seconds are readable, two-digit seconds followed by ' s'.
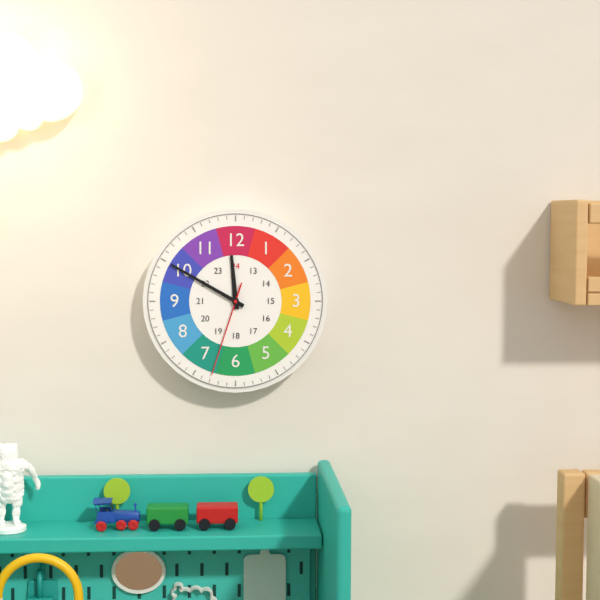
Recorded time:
11 h 50 min 33 s
